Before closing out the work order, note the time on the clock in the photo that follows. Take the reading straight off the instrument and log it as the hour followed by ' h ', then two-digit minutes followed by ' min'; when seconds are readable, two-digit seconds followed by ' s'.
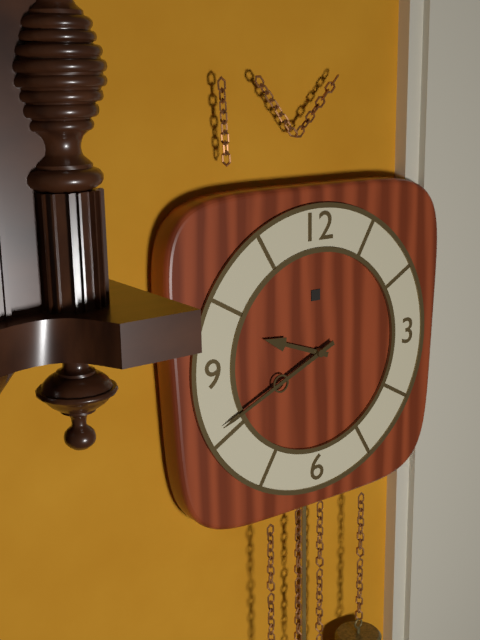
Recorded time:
9 h 41 min
